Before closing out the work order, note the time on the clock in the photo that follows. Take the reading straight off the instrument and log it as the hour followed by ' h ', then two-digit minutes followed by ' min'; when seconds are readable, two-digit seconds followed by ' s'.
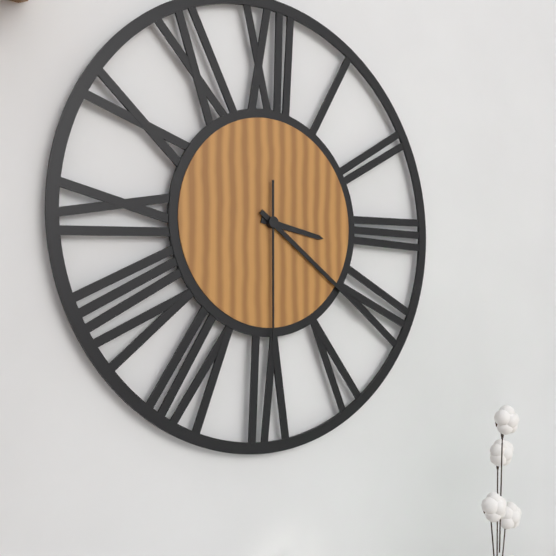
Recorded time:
3 h 21 min 30 s
